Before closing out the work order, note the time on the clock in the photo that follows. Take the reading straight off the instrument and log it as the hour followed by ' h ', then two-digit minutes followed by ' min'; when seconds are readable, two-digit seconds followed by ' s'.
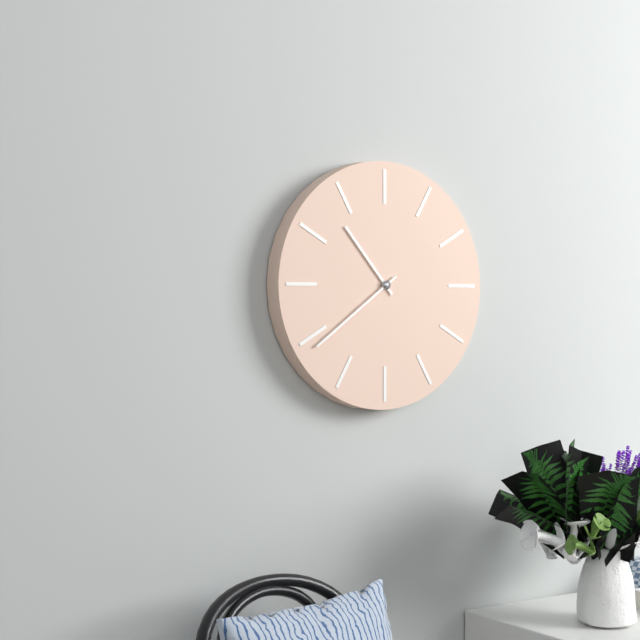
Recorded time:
10 h 39 min
